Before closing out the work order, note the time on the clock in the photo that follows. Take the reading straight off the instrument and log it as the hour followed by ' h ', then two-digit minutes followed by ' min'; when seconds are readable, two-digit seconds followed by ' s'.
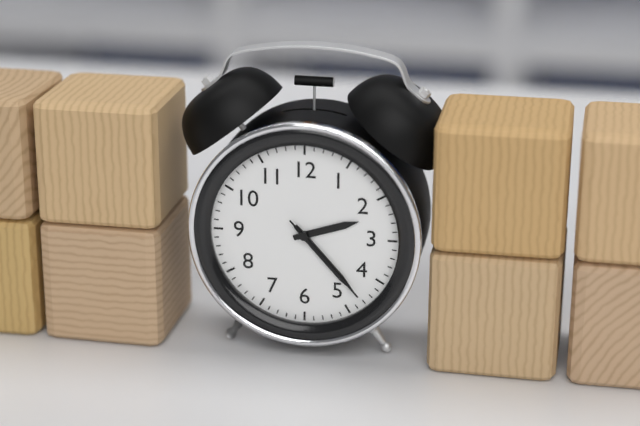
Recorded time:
2 h 23 min 23 s
